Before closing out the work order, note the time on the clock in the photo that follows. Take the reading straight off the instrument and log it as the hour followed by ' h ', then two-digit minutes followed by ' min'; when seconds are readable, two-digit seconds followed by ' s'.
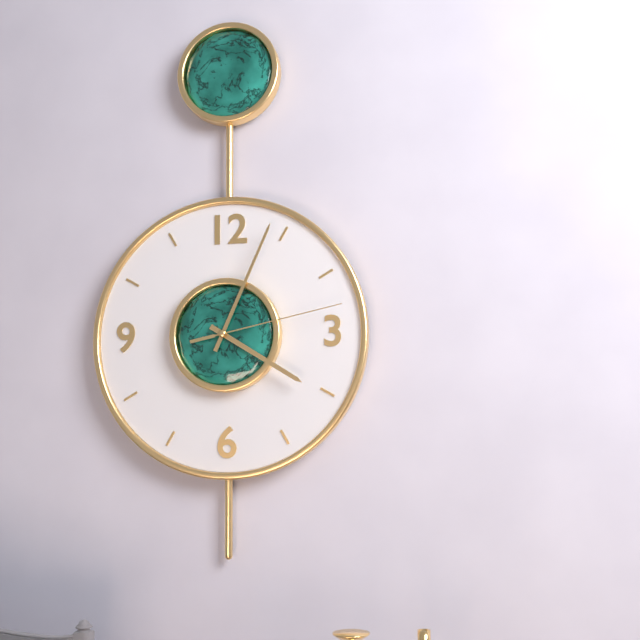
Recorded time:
4 h 04 min 13 s
